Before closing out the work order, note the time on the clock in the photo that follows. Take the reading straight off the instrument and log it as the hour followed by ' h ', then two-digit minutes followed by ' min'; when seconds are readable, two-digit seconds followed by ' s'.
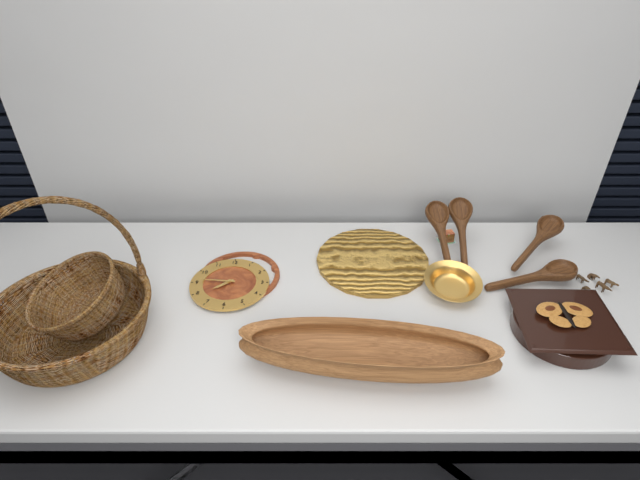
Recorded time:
7 h 46 min
